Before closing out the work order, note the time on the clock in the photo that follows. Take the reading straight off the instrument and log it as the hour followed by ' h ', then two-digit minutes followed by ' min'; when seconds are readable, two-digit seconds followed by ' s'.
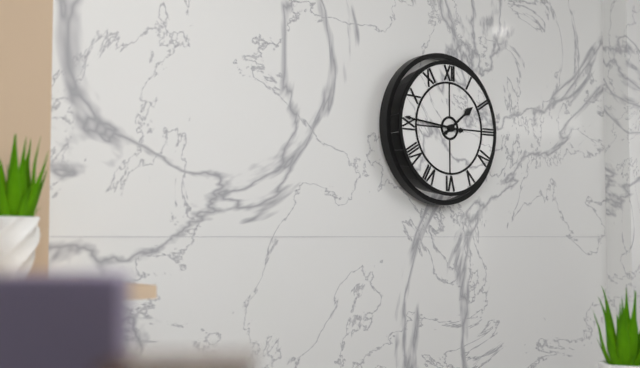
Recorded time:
1 h 46 min
